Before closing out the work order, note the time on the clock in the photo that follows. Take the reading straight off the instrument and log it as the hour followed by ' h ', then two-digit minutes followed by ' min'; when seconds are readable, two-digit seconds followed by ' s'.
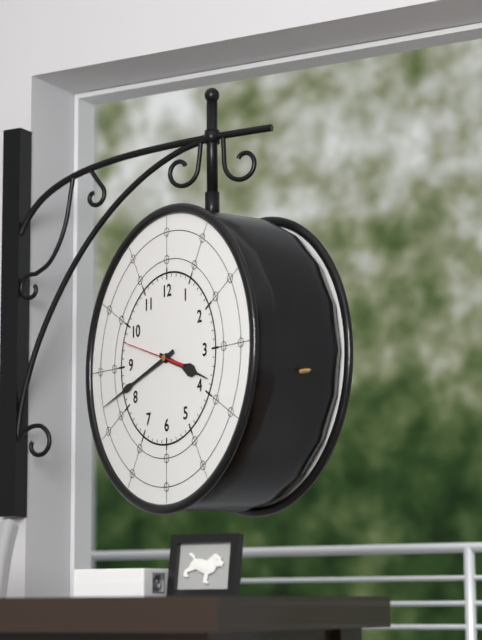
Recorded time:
3 h 42 min 48 s
